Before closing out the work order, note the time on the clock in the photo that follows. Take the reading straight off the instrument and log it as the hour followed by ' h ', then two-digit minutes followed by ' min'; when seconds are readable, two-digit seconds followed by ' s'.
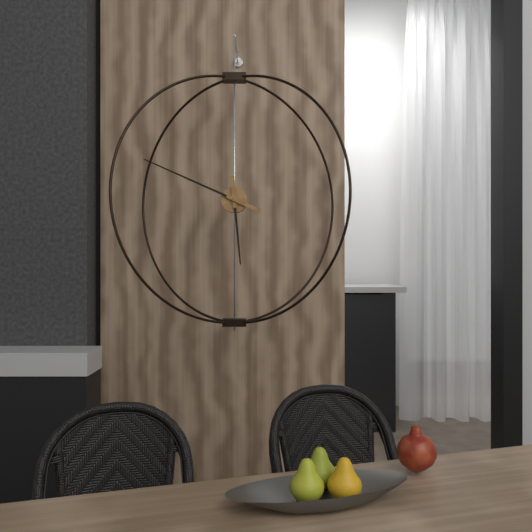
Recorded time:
5 h 49 min
